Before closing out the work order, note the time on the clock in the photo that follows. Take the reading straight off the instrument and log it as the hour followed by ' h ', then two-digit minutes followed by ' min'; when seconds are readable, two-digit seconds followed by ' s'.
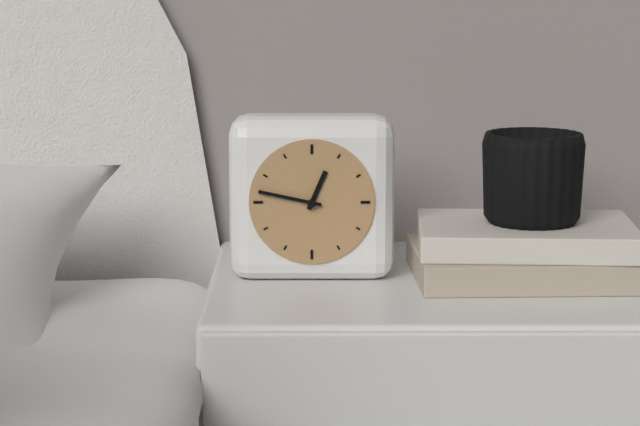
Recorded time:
12 h 47 min
